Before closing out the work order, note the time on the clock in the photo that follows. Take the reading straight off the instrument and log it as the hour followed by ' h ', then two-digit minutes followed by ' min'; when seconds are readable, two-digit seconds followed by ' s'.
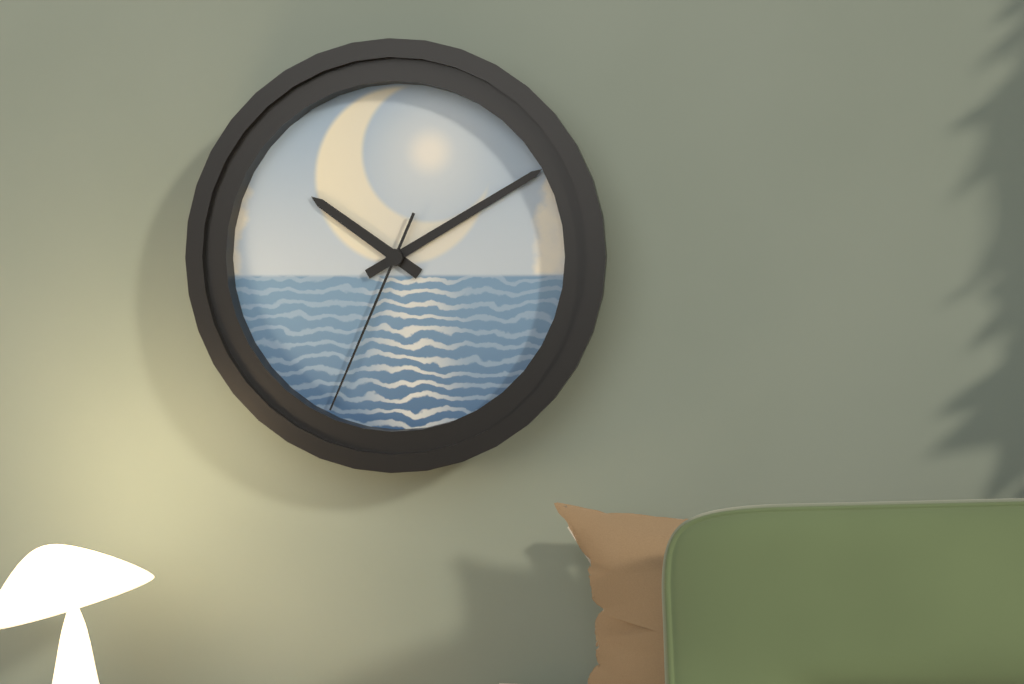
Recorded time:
10 h 10 min 34 s
